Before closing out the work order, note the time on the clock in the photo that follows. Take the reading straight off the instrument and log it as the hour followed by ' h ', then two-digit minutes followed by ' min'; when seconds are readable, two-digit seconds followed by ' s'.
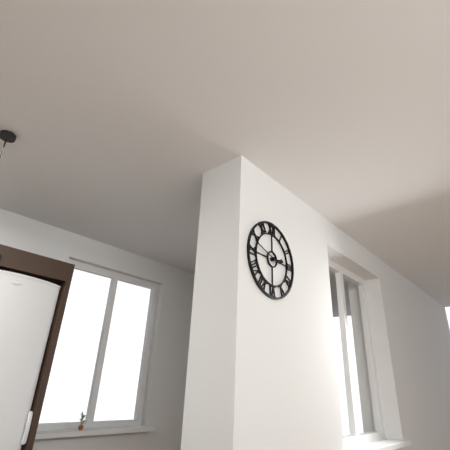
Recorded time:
2 h 48 min
